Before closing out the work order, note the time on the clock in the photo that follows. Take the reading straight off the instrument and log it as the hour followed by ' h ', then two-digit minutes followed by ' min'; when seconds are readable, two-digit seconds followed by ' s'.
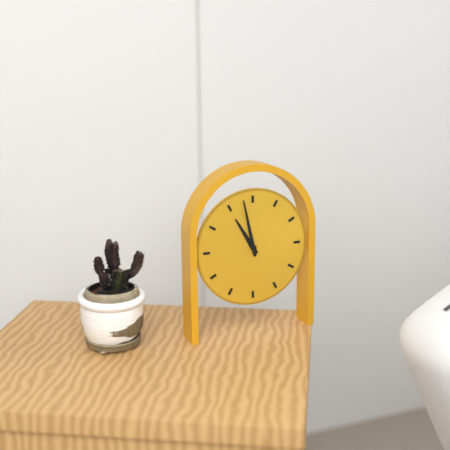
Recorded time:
10 h 58 min
